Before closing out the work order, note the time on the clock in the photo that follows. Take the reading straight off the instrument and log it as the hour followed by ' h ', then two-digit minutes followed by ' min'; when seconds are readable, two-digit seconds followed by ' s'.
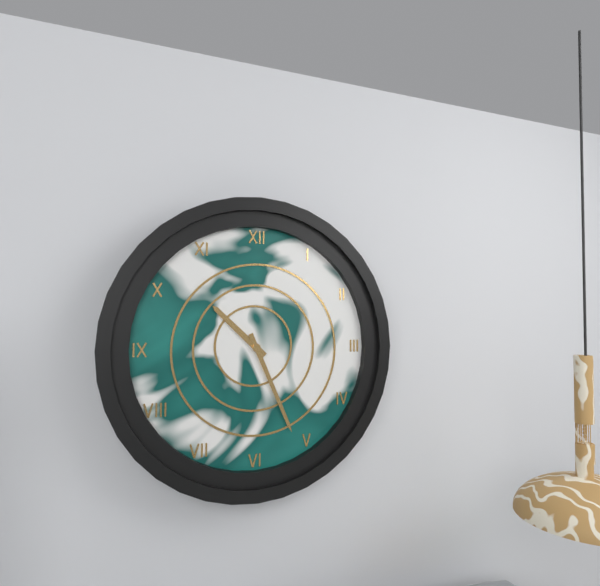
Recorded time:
10 h 26 min
